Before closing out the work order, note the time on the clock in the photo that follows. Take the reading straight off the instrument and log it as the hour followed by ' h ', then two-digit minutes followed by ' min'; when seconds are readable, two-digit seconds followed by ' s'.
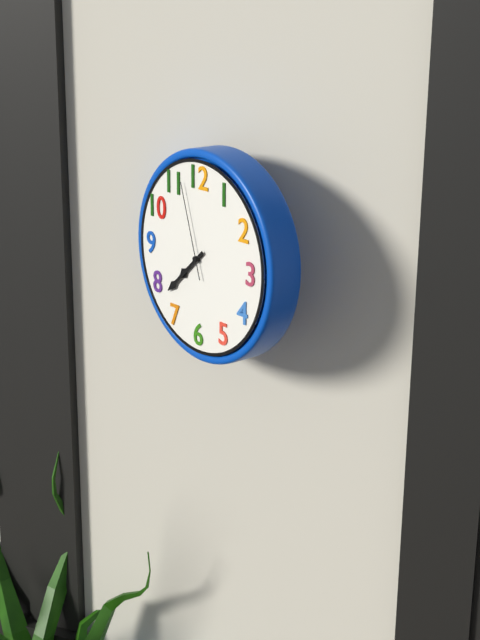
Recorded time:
7 h 38 min 57 s
